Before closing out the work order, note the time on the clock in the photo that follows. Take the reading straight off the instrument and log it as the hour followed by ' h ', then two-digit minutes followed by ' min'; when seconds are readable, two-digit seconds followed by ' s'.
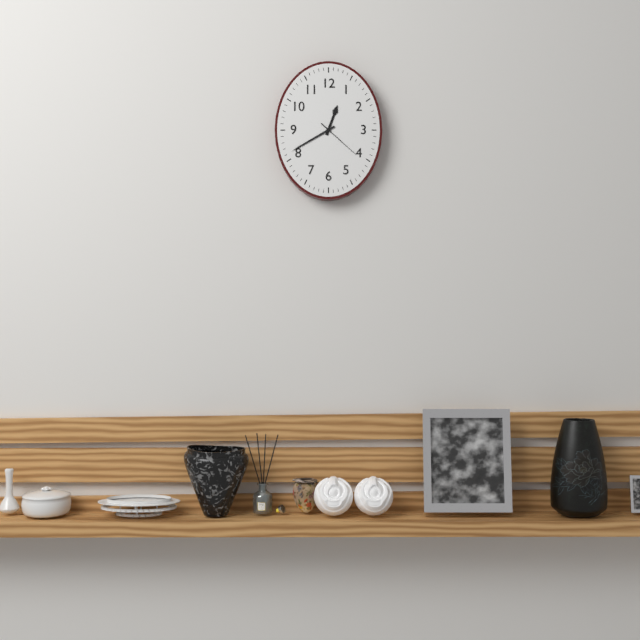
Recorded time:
12 h 40 min
